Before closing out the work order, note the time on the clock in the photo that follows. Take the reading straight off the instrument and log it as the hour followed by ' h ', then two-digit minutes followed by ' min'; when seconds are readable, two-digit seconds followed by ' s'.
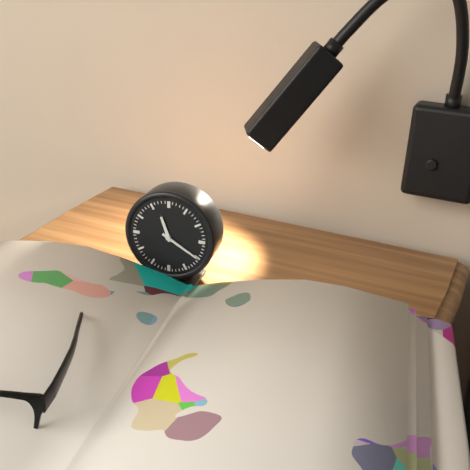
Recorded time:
11 h 20 min
